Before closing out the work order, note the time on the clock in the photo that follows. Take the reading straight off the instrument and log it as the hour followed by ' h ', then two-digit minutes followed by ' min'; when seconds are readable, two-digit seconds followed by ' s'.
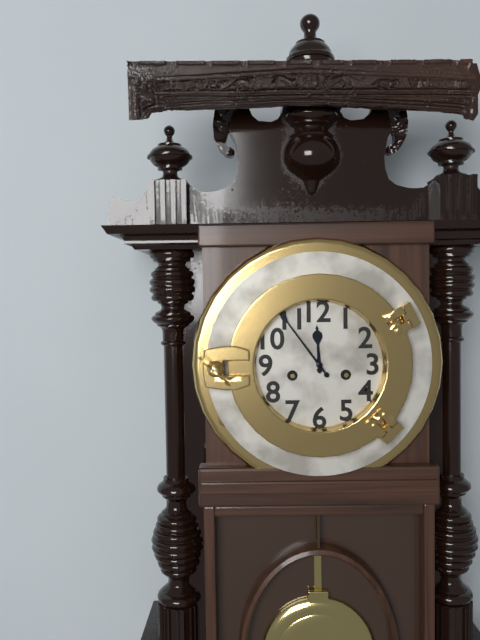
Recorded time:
11 h 54 min
